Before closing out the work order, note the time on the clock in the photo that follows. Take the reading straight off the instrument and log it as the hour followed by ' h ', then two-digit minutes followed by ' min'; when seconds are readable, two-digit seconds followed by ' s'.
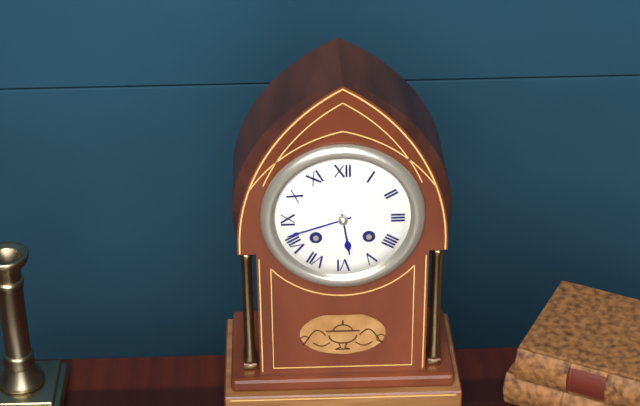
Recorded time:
5 h 42 min
